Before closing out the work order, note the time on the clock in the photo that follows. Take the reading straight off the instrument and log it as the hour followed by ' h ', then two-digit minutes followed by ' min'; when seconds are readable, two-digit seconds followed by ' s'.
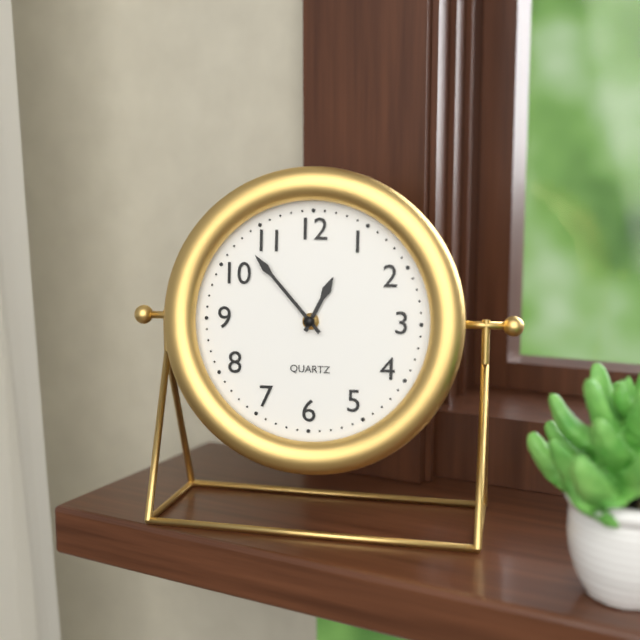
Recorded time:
12 h 53 min
